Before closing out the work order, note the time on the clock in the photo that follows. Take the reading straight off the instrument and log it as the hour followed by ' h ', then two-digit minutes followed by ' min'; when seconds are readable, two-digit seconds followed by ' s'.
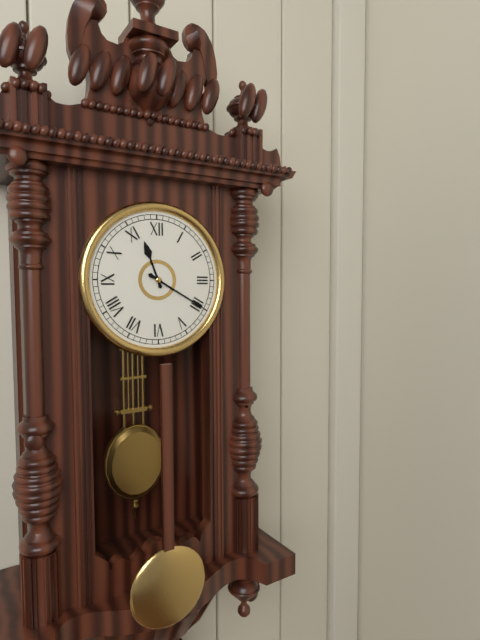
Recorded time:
11 h 20 min
